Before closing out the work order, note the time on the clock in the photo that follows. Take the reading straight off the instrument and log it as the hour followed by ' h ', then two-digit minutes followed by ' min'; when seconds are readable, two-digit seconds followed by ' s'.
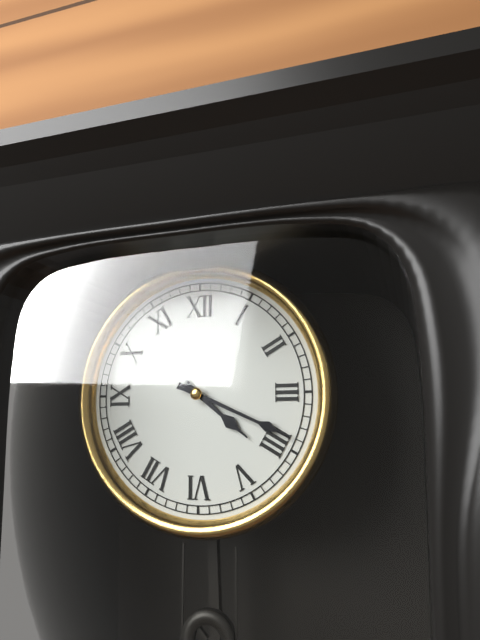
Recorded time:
4 h 19 min
